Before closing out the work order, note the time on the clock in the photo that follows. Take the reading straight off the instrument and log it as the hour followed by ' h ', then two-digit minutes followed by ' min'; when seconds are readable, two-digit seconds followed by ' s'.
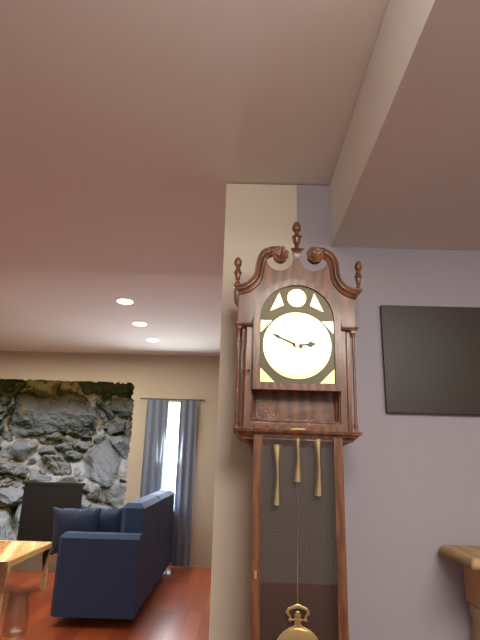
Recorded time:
2 h 49 min
